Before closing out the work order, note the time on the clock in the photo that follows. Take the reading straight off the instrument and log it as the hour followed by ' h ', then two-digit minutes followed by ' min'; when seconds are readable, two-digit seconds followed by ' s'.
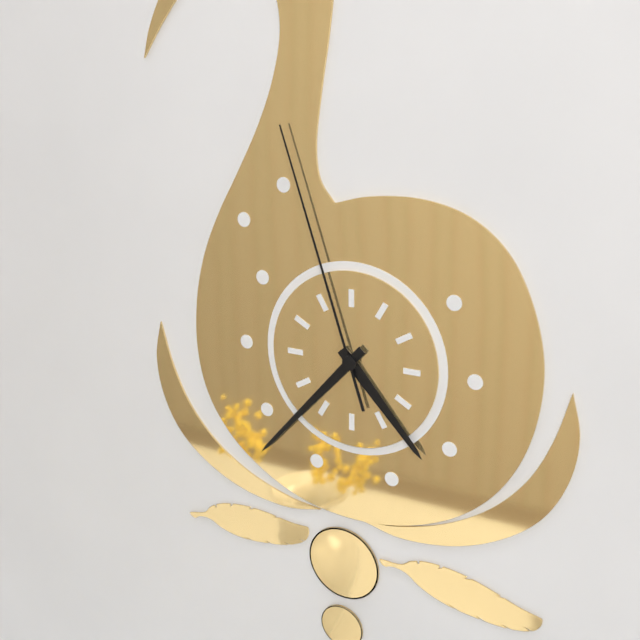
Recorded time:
4 h 37 min 57 s
